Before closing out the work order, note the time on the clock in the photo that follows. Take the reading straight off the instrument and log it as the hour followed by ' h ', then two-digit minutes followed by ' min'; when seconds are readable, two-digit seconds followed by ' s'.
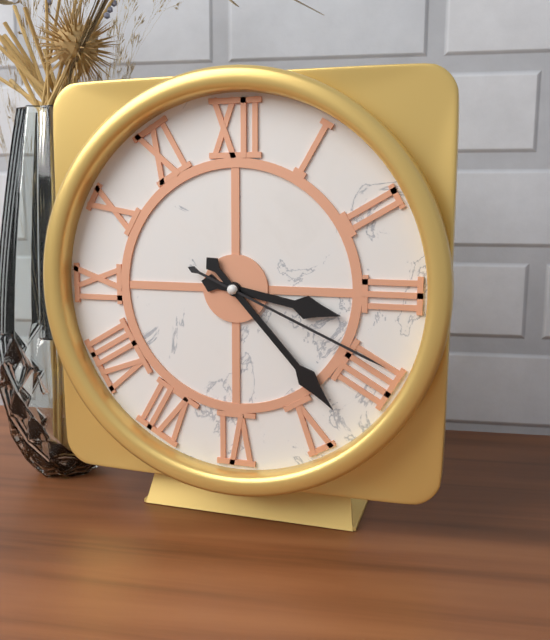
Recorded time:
3 h 23 min 19 s
